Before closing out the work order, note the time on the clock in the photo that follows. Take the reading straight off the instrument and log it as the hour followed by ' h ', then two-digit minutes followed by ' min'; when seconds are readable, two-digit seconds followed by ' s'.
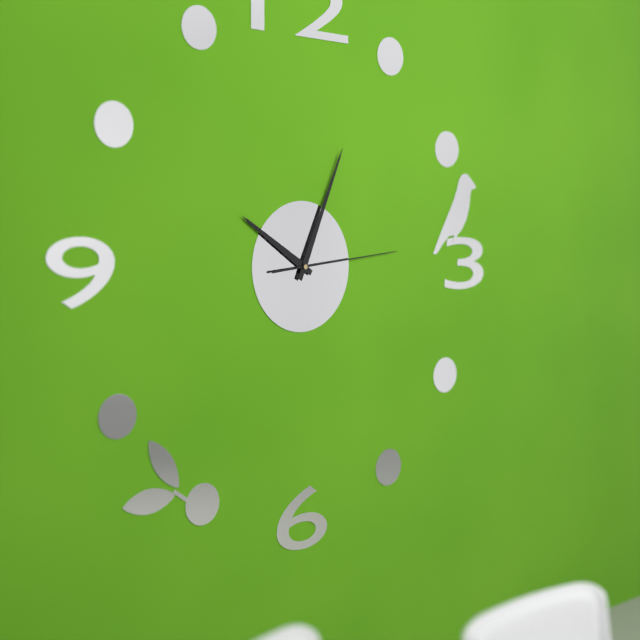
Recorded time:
10 h 04 min 14 s
